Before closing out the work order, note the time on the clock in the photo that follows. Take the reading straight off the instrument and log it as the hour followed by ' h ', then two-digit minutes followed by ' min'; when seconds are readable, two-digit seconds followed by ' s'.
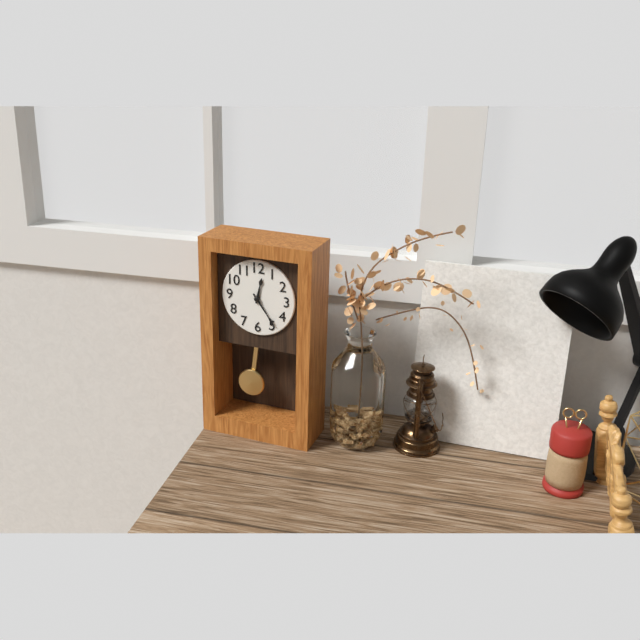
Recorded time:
12 h 24 min
